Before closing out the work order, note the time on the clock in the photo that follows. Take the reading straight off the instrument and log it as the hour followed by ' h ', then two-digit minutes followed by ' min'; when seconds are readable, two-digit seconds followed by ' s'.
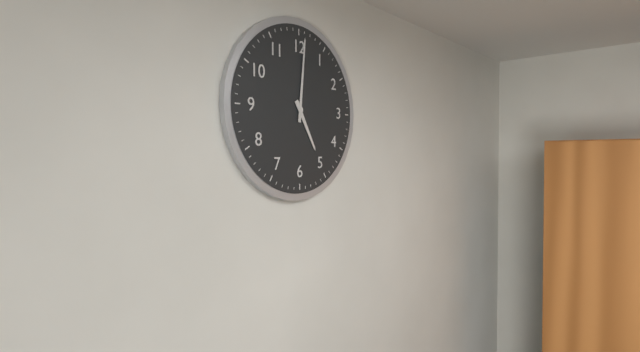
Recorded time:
5 h 01 min
